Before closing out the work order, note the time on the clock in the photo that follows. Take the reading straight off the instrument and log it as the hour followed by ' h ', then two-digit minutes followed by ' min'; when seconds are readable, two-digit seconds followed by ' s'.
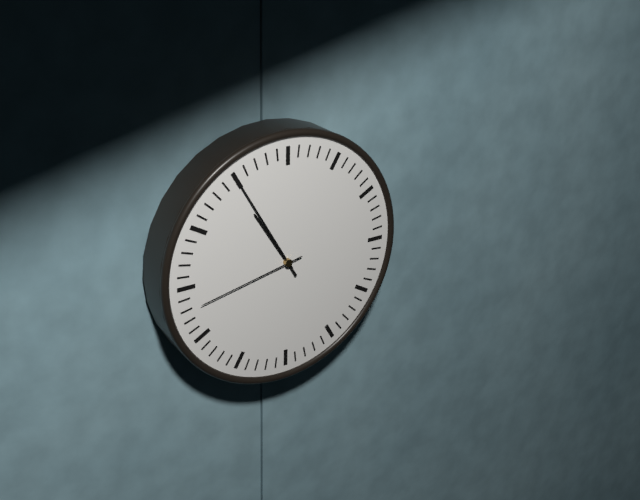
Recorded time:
10 h 55 min 43 s
